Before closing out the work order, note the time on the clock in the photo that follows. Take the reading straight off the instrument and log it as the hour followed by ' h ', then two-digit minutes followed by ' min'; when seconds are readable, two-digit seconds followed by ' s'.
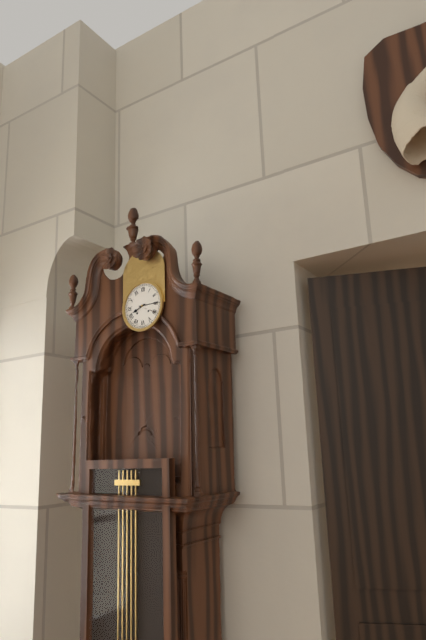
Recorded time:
8 h 15 min
